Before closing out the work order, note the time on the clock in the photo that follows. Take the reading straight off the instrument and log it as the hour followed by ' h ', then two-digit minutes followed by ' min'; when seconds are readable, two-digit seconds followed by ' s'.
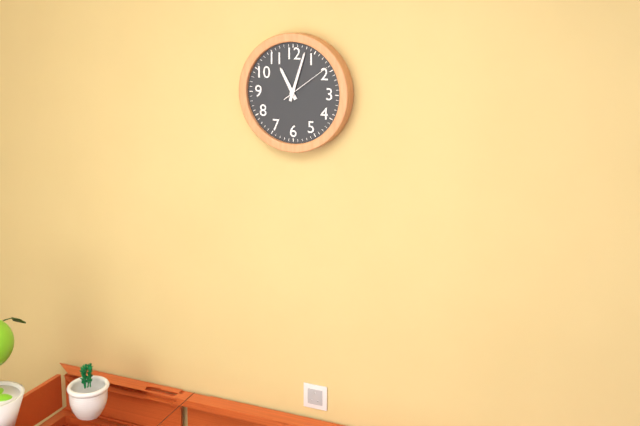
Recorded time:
11 h 03 min 09 s
